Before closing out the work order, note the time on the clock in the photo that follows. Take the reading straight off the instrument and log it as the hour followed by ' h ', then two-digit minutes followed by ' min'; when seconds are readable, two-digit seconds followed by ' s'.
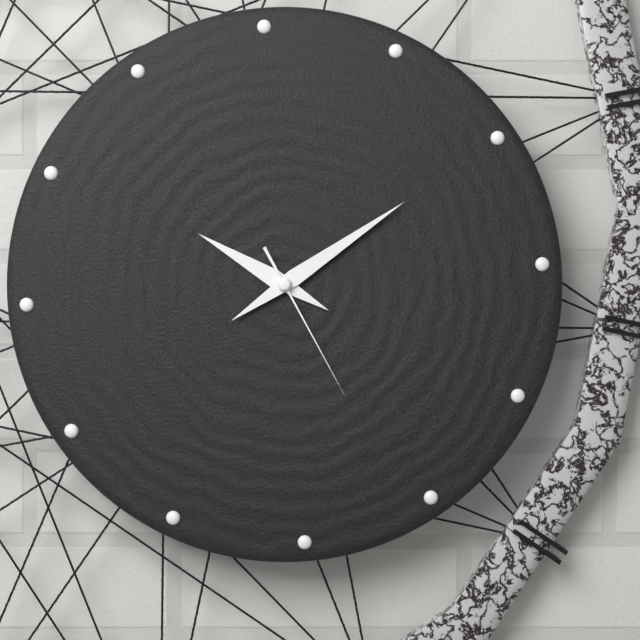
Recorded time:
10 h 10 min 26 s
